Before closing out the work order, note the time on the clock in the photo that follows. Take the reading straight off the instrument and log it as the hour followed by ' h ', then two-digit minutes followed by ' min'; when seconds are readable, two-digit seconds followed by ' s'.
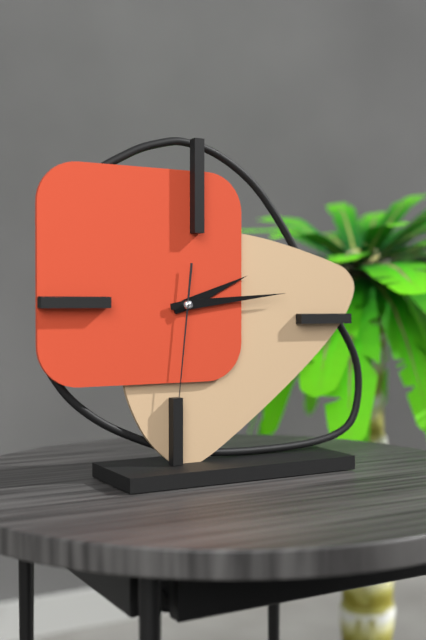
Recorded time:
2 h 14 min 31 s
